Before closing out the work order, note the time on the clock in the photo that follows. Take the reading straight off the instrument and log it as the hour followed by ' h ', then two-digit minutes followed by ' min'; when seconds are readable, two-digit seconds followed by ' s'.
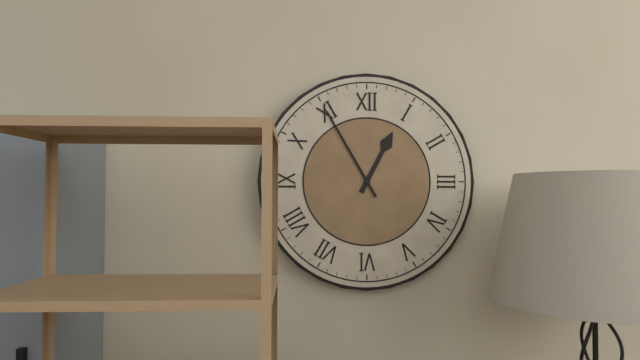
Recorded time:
12 h 55 min
